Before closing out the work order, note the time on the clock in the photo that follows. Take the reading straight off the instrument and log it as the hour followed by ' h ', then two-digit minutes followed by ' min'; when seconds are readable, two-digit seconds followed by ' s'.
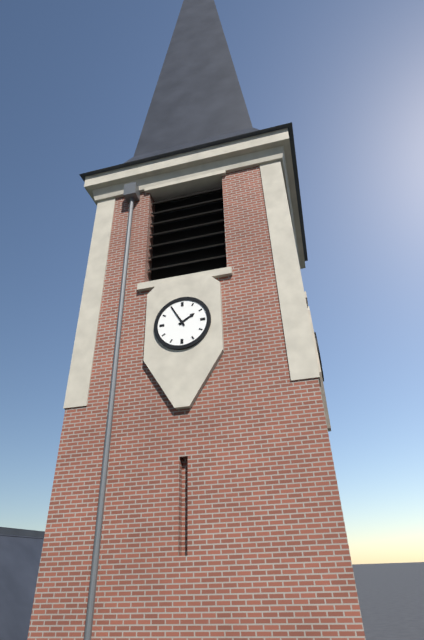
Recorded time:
1 h 55 min
